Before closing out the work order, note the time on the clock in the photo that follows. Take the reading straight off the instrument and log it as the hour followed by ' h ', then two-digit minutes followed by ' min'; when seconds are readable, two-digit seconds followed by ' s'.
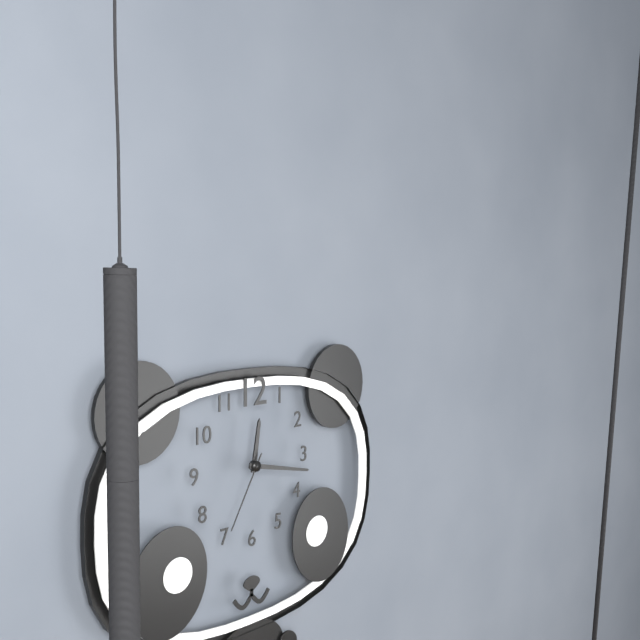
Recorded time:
12 h 17 min 35 s
